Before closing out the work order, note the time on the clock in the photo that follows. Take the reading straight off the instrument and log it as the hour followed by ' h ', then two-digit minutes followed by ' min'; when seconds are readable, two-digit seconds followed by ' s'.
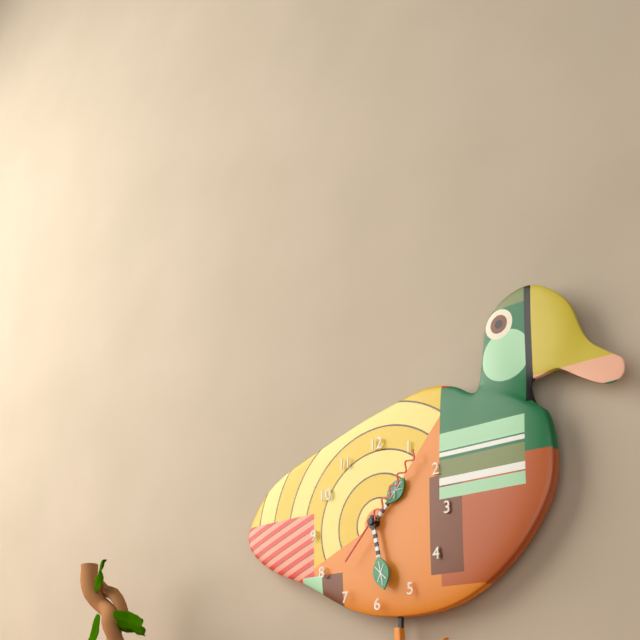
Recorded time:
1 h 28 min 07 s
